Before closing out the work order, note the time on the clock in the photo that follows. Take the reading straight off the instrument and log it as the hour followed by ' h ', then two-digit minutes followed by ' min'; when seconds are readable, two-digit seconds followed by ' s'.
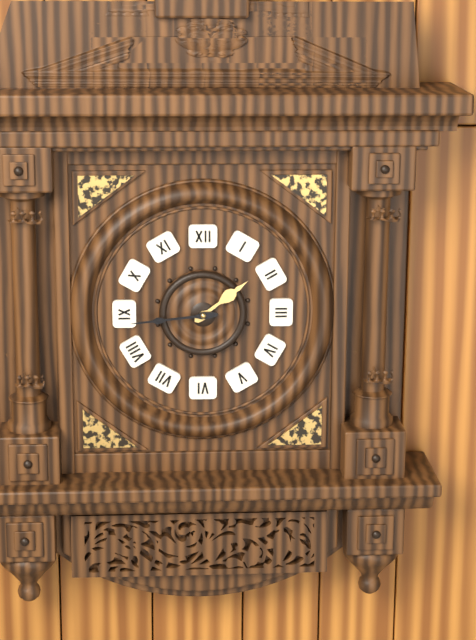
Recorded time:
1 h 44 min
